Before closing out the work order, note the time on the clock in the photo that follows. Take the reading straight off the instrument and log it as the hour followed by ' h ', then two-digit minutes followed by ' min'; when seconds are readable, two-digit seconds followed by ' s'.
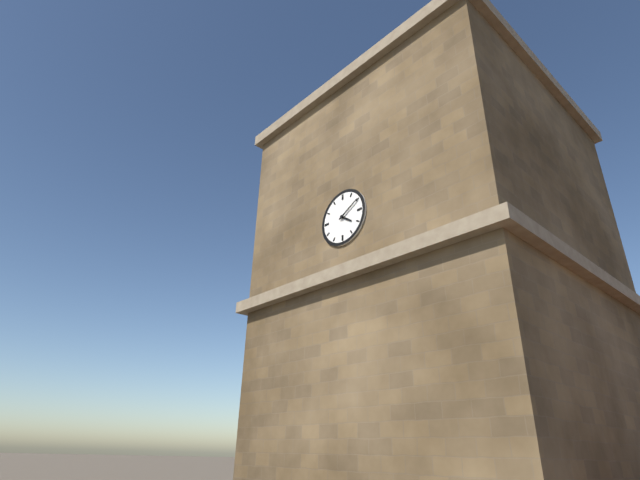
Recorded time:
4 h 10 min
